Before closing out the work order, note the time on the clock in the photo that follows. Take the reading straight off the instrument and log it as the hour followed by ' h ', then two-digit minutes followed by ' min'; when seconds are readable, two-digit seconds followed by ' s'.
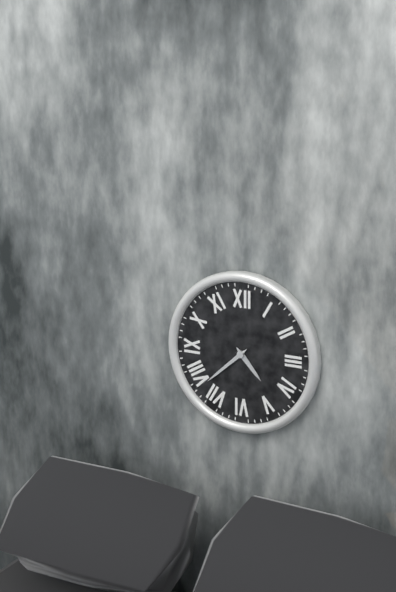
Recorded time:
4 h 38 min
